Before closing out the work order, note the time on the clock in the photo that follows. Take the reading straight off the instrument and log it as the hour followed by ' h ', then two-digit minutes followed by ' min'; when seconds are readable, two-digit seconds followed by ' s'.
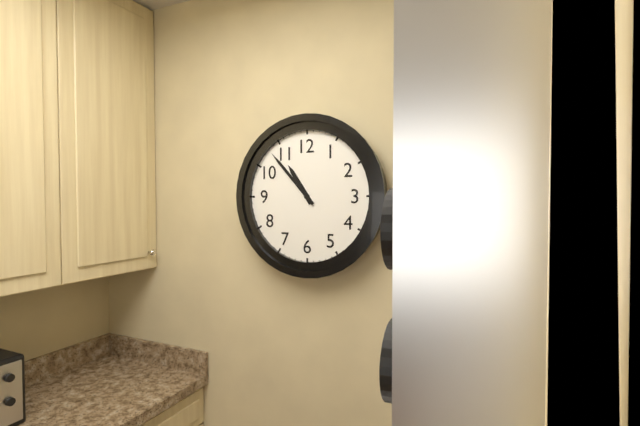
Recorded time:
10 h 53 min
